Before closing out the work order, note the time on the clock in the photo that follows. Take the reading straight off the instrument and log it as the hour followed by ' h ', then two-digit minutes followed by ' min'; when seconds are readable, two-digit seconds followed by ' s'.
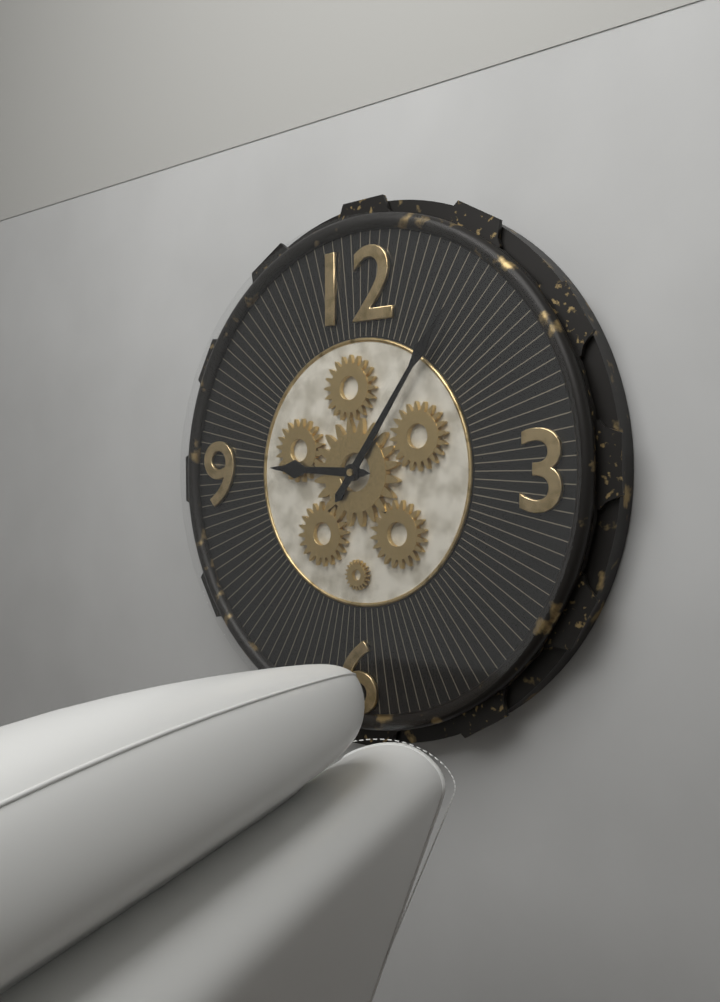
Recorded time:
9 h 06 min
